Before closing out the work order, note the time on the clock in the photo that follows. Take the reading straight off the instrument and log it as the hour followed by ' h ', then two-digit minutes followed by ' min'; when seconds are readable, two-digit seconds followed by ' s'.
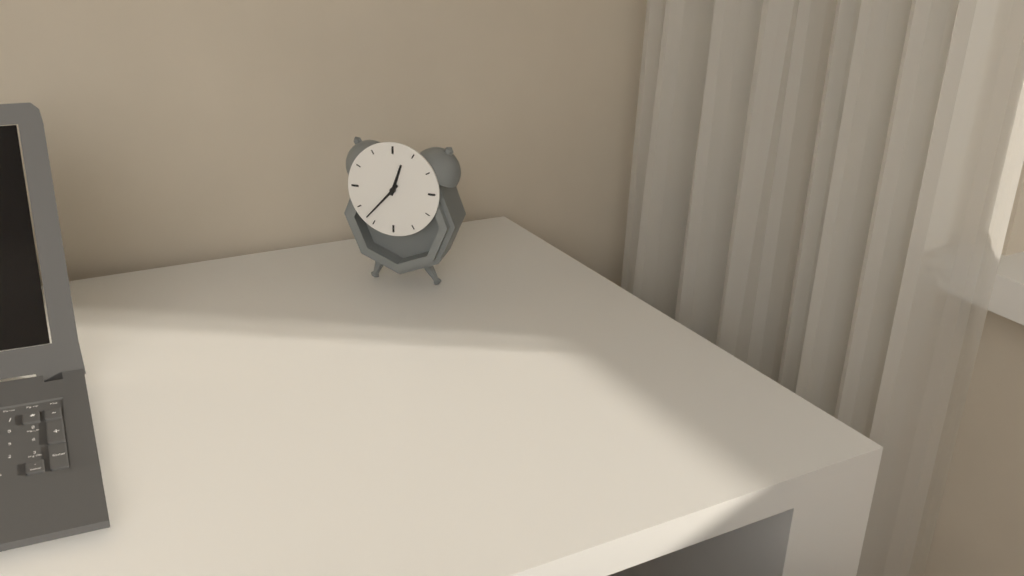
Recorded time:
12 h 37 min
